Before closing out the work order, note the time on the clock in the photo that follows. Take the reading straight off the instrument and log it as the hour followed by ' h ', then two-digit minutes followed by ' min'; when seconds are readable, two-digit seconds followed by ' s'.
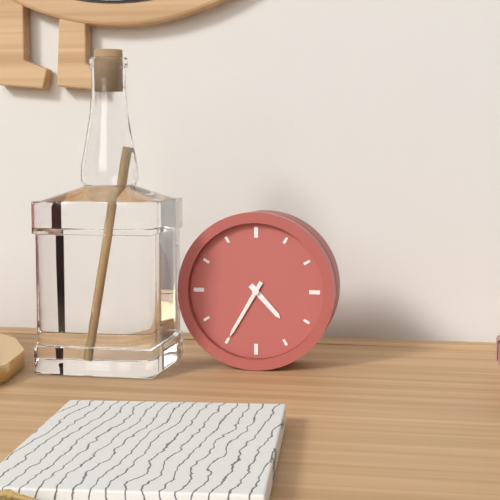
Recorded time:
4 h 35 min
